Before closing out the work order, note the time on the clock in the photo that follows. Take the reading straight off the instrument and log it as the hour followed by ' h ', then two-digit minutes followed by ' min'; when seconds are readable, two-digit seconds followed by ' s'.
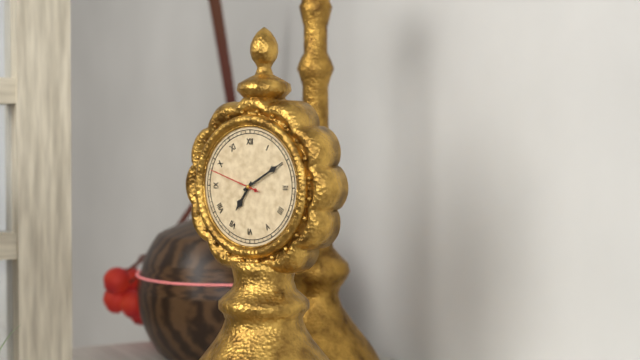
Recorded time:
7 h 10 min 48 s
